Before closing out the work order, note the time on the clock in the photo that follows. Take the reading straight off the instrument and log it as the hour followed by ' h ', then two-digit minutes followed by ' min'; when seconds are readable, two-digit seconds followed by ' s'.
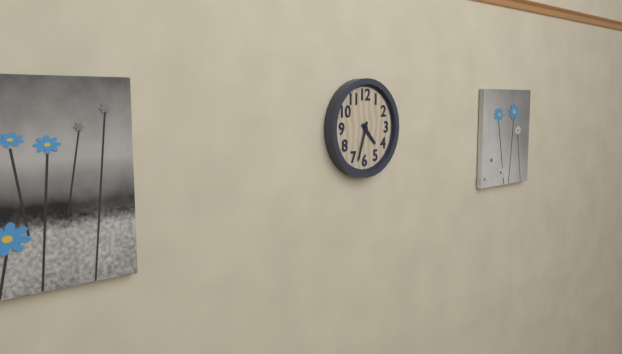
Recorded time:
4 h 33 min
